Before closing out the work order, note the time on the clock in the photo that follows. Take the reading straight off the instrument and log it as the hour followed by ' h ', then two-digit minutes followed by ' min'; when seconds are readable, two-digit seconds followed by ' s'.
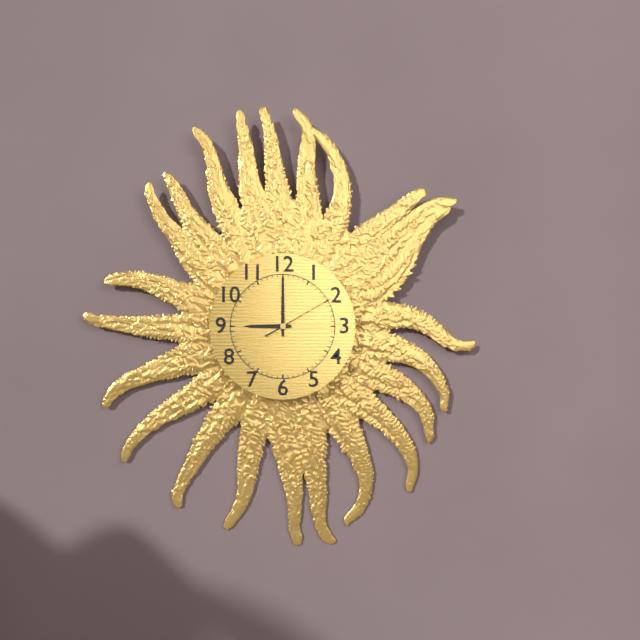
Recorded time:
9 h 00 min 10 s
